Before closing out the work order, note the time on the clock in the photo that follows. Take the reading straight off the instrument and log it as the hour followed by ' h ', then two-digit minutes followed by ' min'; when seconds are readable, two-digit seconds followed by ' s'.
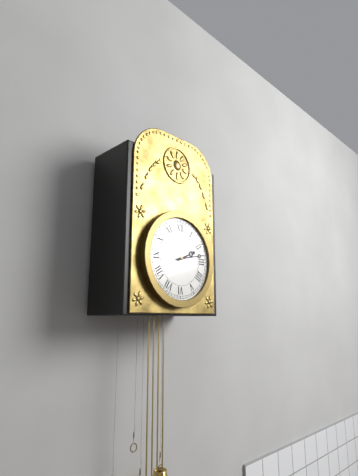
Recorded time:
2 h 13 min
